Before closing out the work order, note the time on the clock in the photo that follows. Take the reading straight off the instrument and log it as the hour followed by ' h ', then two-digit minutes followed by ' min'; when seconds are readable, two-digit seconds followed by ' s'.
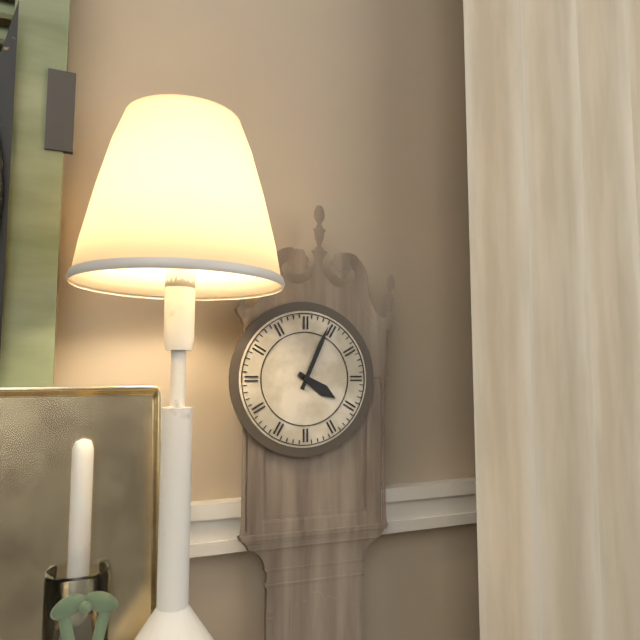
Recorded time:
4 h 04 min
